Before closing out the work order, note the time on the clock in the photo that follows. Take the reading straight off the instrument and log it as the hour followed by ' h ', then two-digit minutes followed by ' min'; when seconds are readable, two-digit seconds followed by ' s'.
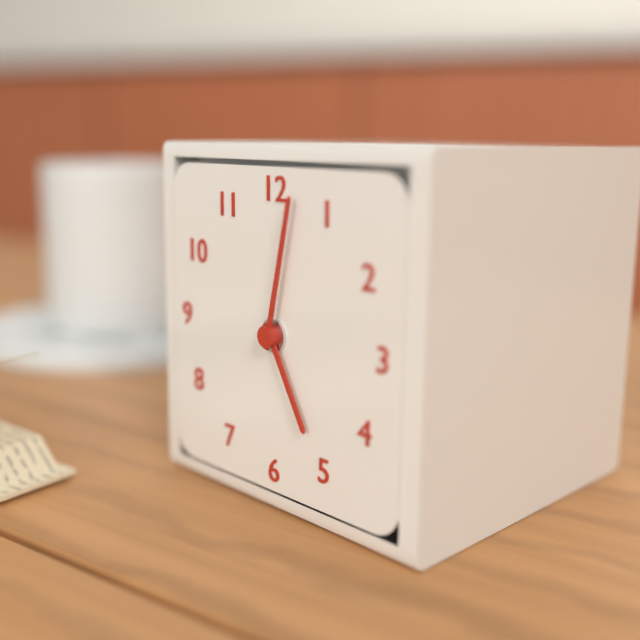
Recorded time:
5 h 02 min
